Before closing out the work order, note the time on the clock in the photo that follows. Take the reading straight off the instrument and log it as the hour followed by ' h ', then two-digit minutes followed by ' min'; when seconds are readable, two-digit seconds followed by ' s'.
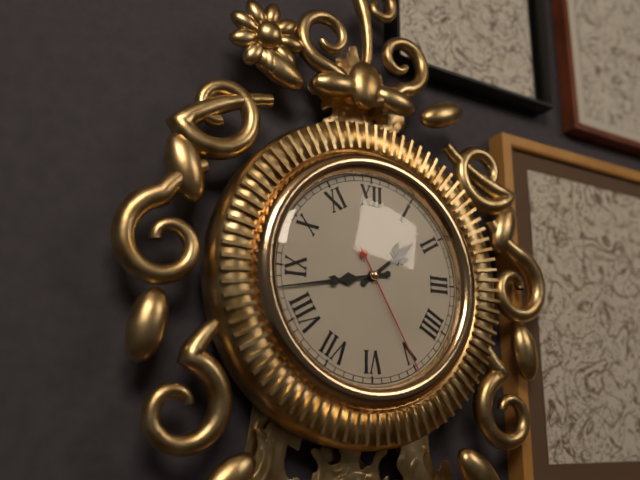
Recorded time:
1 h 43 min 25 s
